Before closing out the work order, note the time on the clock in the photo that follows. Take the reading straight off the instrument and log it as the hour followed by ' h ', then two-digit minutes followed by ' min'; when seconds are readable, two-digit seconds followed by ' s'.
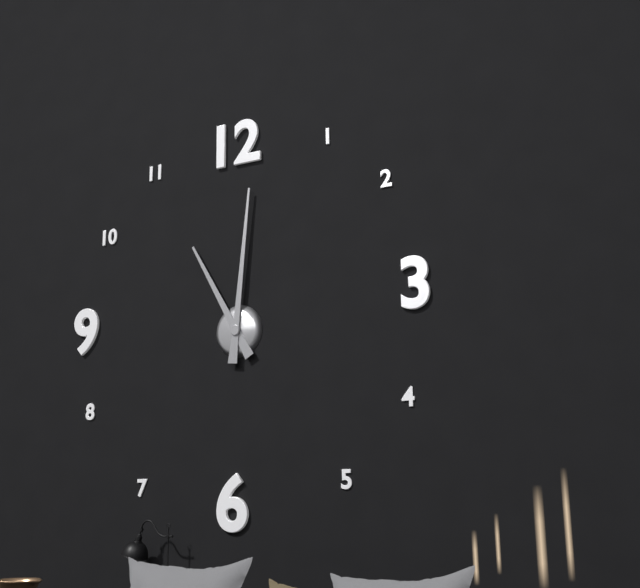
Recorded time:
11 h 01 min
